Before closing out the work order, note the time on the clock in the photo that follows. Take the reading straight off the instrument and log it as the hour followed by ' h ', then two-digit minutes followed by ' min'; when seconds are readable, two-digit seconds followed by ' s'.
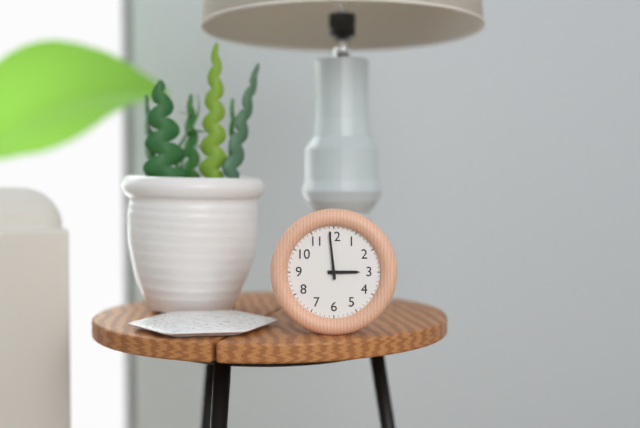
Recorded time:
2 h 59 min
